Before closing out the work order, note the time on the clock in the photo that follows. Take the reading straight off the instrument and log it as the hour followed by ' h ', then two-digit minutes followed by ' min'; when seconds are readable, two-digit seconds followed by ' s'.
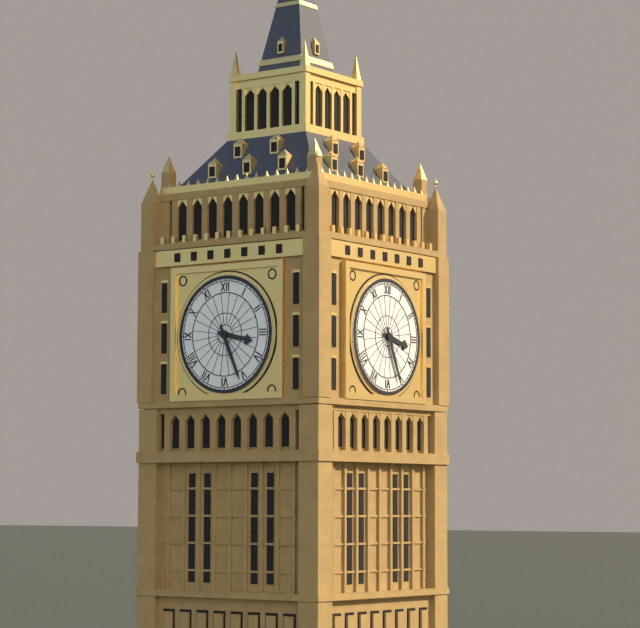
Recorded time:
3 h 26 min
